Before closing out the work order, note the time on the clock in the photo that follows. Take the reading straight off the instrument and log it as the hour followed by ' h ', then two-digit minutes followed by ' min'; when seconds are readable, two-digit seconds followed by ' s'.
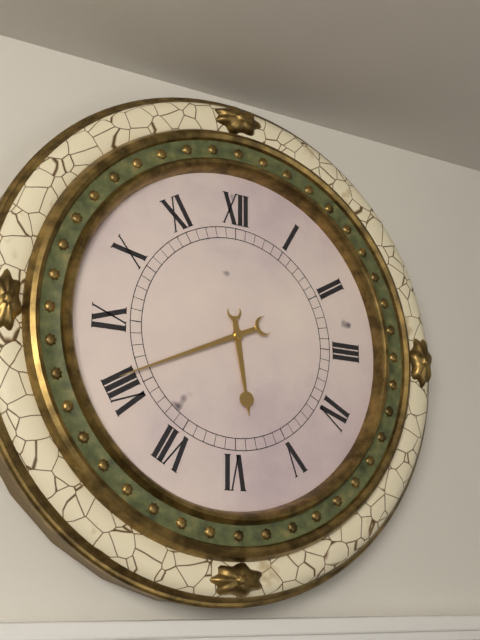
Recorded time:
5 h 41 min
